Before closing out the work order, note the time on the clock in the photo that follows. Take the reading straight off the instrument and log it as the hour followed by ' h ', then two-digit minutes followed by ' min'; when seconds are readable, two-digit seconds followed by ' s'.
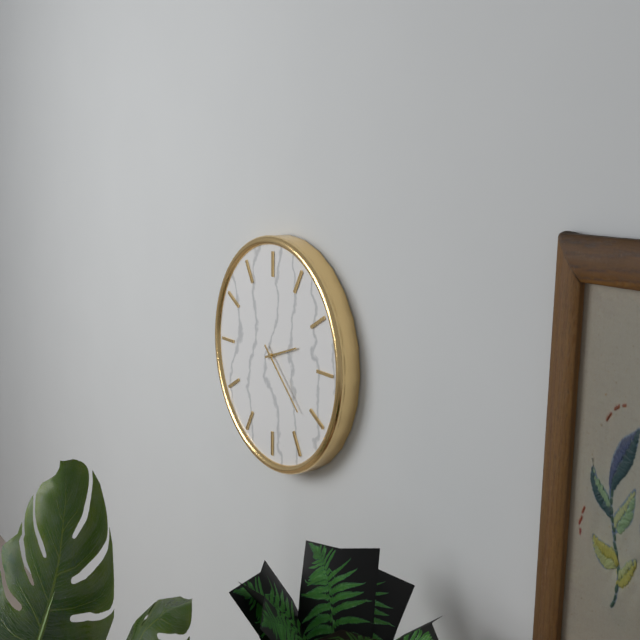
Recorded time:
2 h 22 min
